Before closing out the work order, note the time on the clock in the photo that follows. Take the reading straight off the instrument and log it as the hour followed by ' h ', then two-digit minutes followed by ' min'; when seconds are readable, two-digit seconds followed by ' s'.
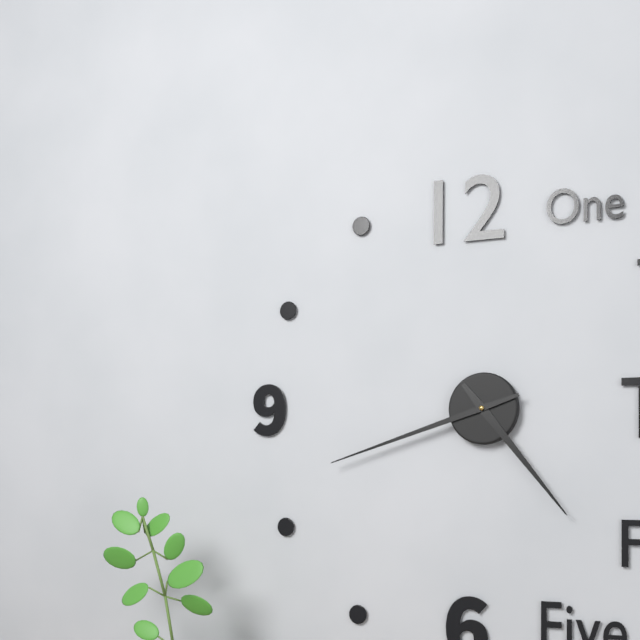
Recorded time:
4 h 42 min
